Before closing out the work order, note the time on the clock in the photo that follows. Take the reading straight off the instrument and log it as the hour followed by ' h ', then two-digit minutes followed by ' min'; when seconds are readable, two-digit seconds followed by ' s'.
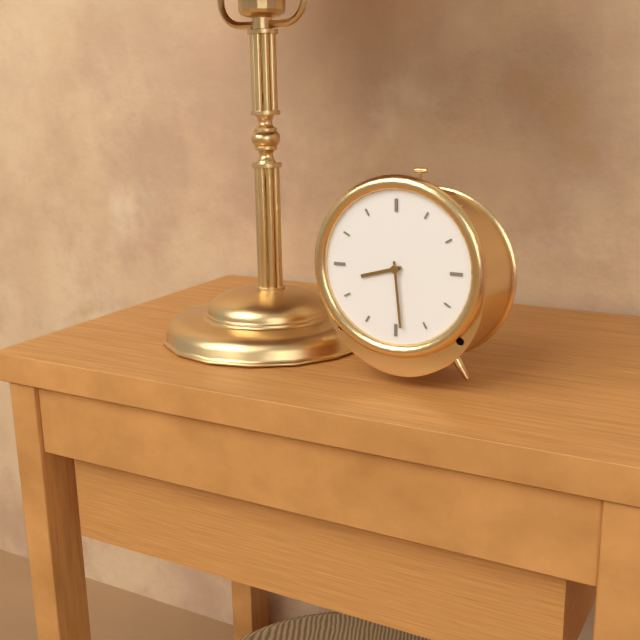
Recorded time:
8 h 29 min
